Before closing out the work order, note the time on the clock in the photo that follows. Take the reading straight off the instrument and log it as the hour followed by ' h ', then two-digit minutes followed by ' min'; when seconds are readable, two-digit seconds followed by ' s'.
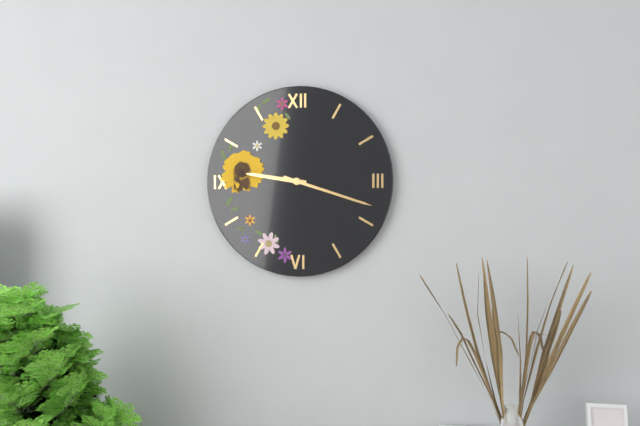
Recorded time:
9 h 18 min
